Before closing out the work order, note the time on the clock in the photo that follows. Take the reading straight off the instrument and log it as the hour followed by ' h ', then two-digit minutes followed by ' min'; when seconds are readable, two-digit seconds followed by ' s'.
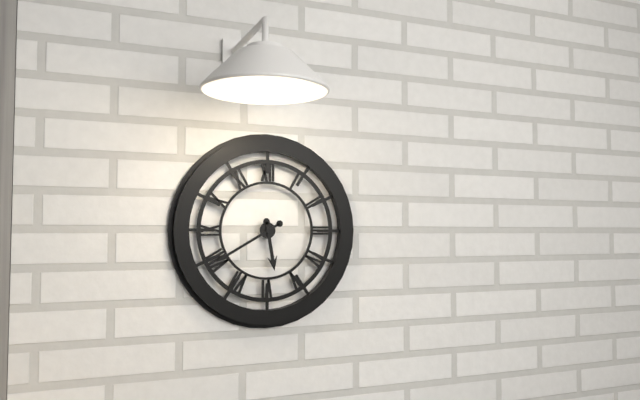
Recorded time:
5 h 40 min
